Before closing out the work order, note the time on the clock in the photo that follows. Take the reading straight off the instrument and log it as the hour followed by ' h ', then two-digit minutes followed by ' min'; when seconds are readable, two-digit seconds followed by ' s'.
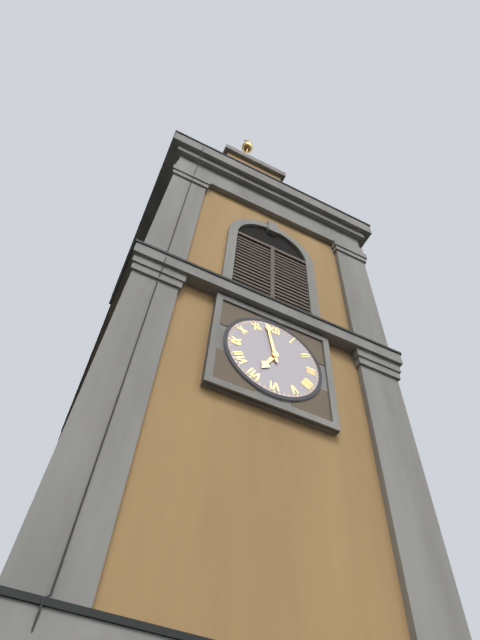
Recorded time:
6 h 58 min
